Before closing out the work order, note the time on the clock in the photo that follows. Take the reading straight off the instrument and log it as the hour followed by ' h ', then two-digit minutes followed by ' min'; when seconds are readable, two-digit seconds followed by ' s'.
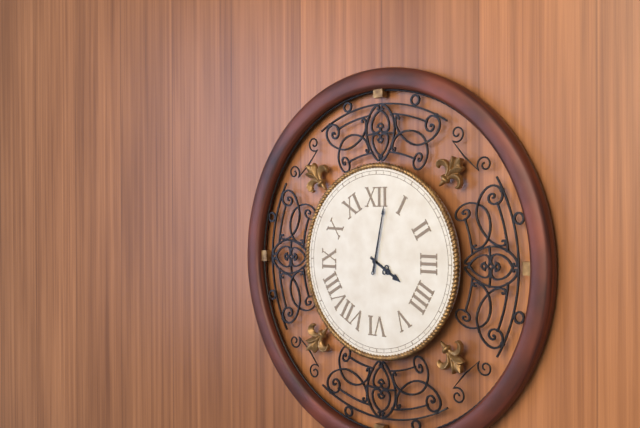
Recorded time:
4 h 02 min
